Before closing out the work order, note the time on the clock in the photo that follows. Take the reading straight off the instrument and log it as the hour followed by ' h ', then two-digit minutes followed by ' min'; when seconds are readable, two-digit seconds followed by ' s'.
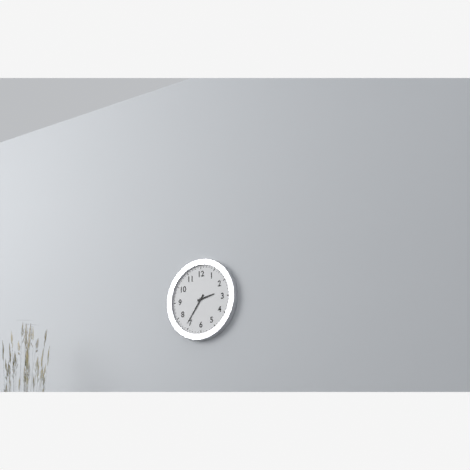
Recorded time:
2 h 36 min
